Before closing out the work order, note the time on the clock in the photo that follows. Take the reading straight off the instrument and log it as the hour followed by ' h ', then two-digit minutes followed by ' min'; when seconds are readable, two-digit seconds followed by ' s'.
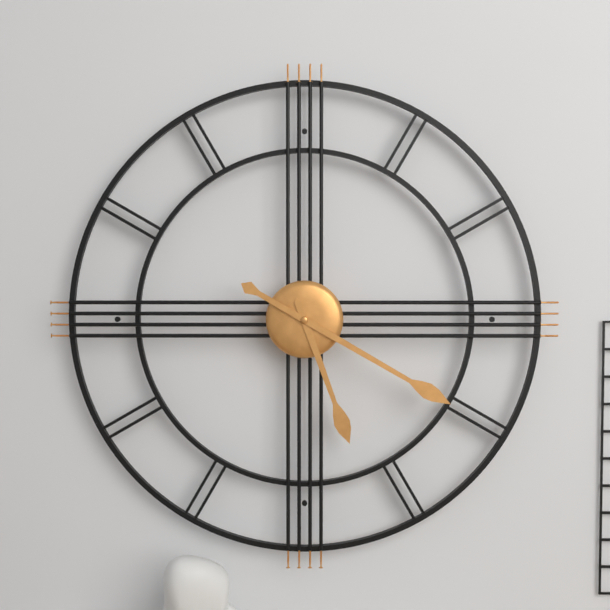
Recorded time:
5 h 20 min
